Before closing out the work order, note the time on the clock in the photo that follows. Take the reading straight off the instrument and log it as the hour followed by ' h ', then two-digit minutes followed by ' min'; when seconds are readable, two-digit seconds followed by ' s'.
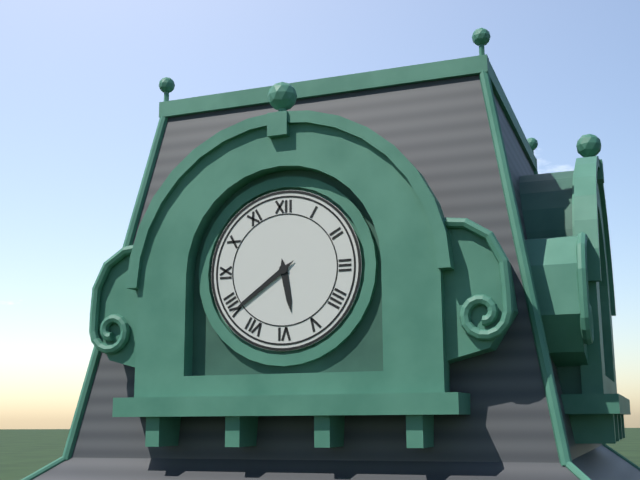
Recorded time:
5 h 39 min
